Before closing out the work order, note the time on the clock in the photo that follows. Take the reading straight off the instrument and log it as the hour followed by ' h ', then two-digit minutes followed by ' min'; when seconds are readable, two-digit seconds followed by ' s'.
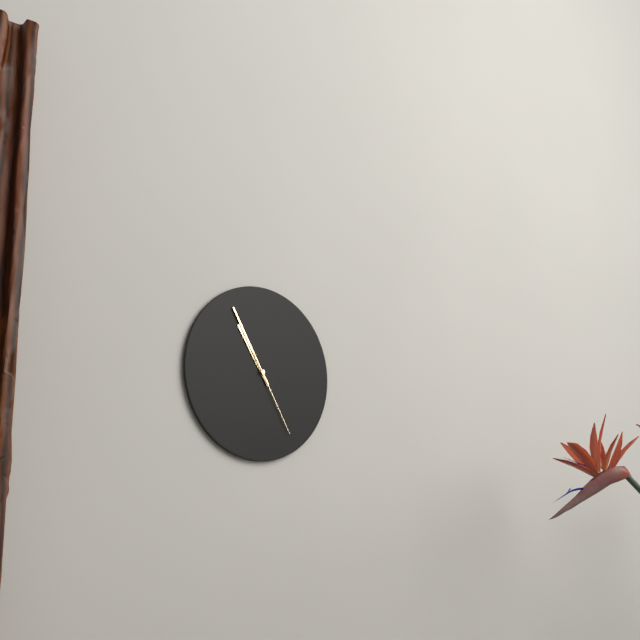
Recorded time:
10 h 55 min 25 s
